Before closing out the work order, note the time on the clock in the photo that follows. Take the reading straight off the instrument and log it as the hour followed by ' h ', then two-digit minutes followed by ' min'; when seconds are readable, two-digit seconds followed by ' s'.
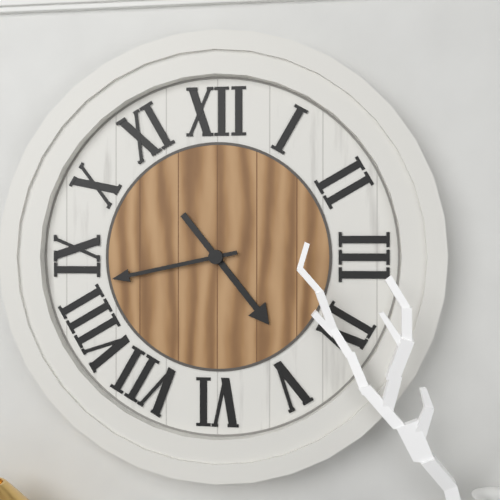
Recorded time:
4 h 43 min
